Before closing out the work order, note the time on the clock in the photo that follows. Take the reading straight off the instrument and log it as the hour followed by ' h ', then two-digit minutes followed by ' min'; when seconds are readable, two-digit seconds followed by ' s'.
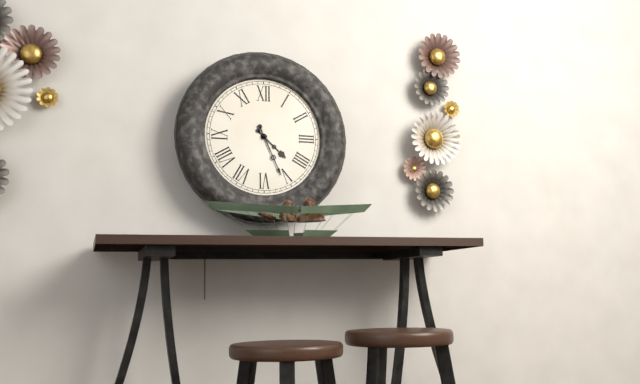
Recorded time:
4 h 26 min
